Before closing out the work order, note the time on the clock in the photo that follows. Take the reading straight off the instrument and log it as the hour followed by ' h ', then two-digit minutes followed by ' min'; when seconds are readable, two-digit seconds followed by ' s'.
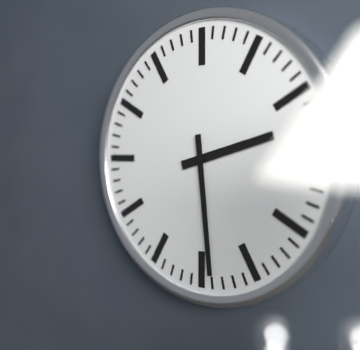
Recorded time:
2 h 29 min
